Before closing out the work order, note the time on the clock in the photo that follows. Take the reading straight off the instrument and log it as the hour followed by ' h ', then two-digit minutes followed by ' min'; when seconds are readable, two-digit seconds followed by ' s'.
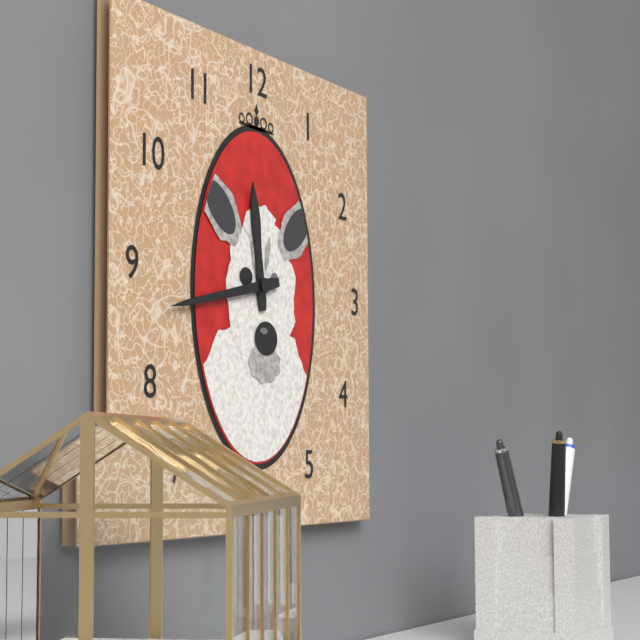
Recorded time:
11 h 43 min
